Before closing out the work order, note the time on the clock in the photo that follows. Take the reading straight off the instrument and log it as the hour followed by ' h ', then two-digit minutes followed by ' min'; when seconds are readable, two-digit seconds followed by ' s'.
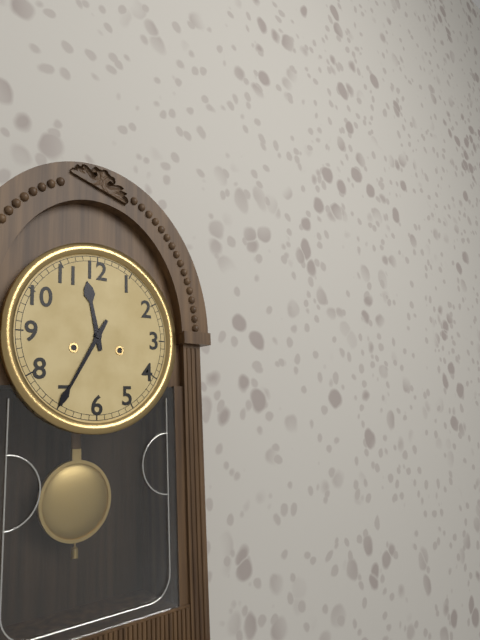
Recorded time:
11 h 35 min
